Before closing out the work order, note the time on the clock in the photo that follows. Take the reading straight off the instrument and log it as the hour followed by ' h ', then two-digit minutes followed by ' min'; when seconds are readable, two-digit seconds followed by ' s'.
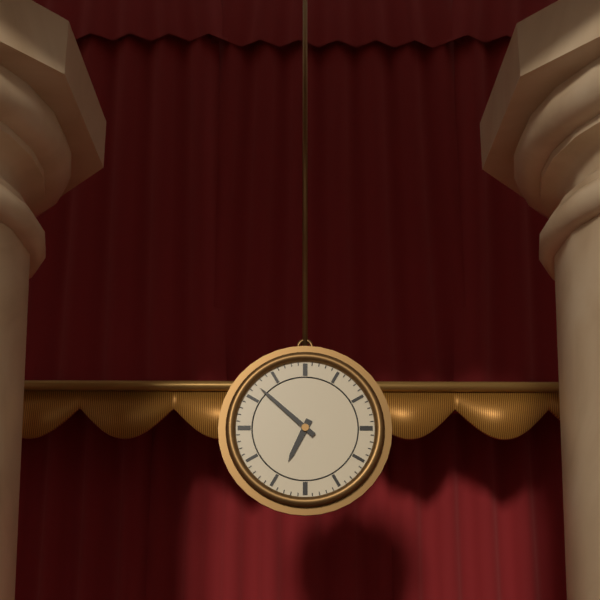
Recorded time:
6 h 52 min
